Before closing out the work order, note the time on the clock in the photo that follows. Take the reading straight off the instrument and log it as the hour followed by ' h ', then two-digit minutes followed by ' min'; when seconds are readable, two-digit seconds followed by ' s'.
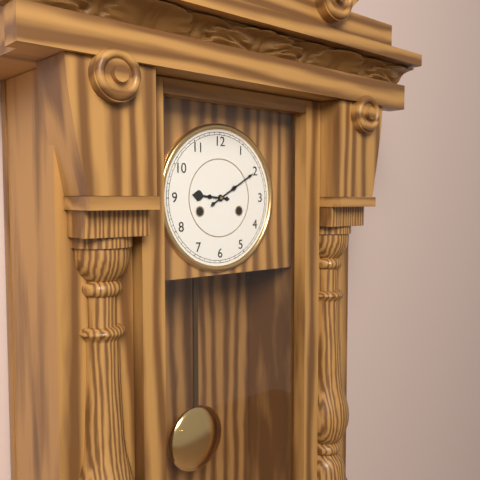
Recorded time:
9 h 10 min
